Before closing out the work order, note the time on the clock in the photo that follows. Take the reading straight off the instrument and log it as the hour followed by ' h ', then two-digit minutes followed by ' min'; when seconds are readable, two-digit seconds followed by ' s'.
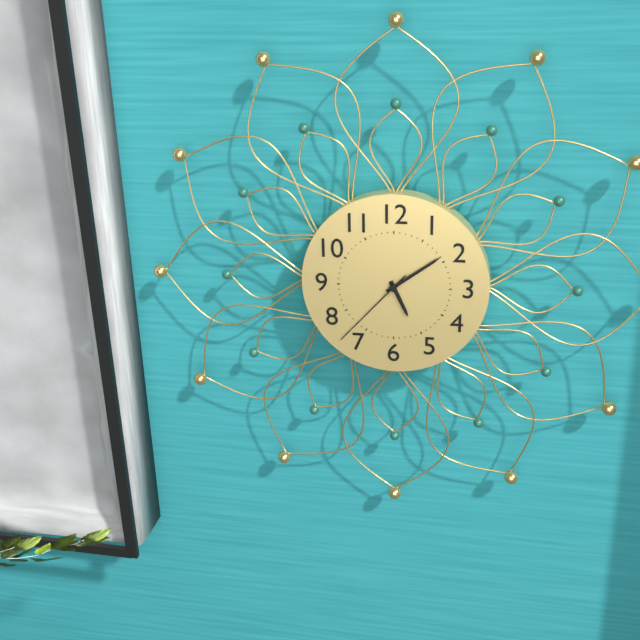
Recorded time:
5 h 09 min 37 s
